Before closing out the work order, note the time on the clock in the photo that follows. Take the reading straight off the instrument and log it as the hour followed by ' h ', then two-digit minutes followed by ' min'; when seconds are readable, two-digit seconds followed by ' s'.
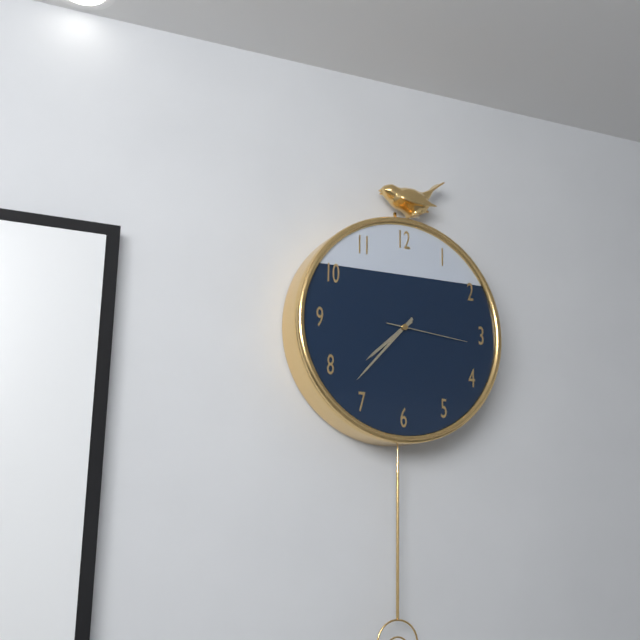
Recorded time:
7 h 37 min 16 s
